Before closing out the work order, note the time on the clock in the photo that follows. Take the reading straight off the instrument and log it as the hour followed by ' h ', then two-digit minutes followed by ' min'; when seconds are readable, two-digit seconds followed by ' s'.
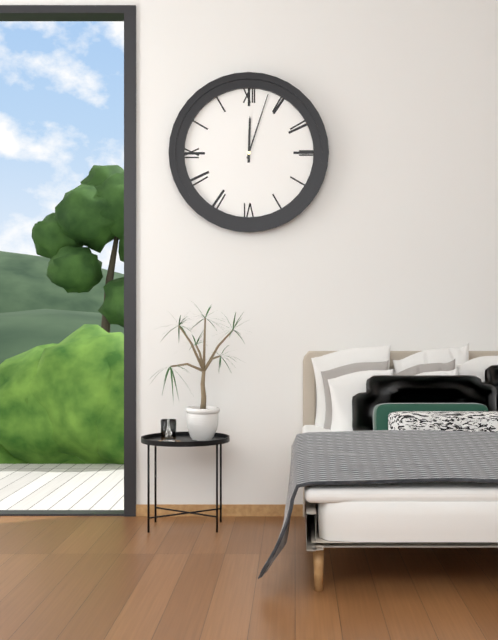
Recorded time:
12 h 03 min
